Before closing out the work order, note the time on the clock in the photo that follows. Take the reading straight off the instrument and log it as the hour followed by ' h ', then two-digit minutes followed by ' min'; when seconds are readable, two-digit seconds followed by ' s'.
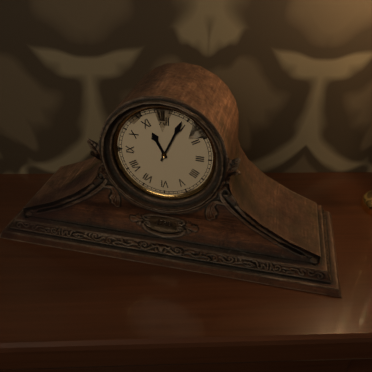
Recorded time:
11 h 04 min
